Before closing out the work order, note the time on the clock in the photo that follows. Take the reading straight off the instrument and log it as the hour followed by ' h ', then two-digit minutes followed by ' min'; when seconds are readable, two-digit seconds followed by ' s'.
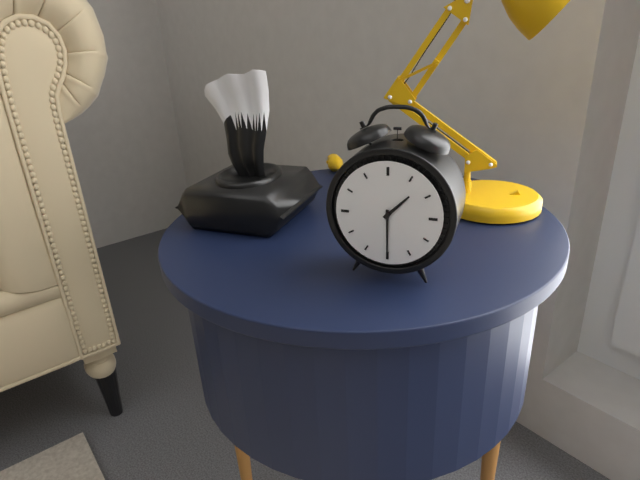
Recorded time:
1 h 30 min
